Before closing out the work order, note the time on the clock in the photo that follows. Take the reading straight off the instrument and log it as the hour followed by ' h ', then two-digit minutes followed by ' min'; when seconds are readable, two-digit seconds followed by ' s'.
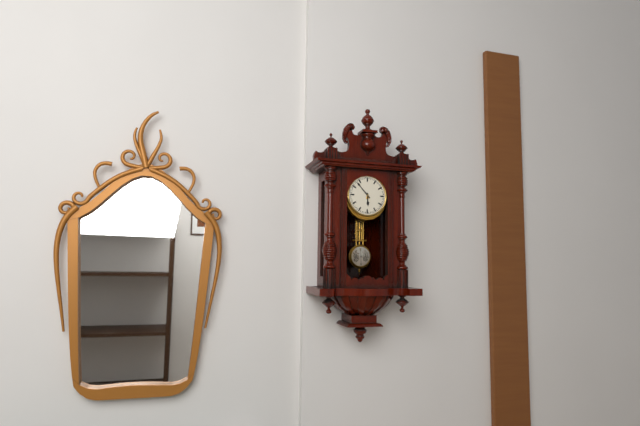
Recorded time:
5 h 53 min
